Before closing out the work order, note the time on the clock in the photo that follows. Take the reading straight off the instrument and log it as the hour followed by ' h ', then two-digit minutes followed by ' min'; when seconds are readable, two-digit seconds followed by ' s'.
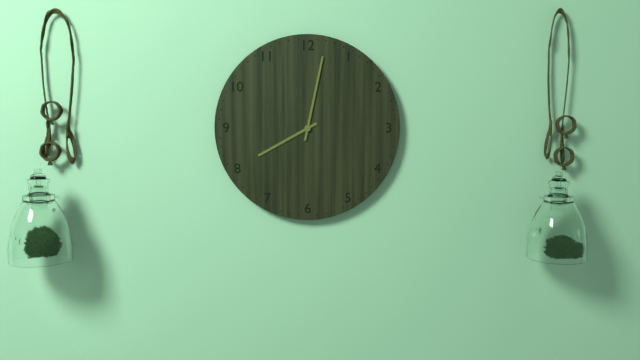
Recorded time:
8 h 02 min
